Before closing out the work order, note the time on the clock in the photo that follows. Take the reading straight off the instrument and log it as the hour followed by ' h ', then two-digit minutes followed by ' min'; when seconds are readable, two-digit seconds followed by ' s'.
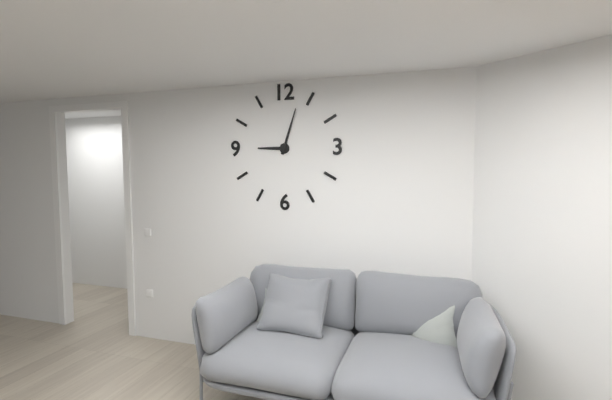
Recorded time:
9 h 03 min
